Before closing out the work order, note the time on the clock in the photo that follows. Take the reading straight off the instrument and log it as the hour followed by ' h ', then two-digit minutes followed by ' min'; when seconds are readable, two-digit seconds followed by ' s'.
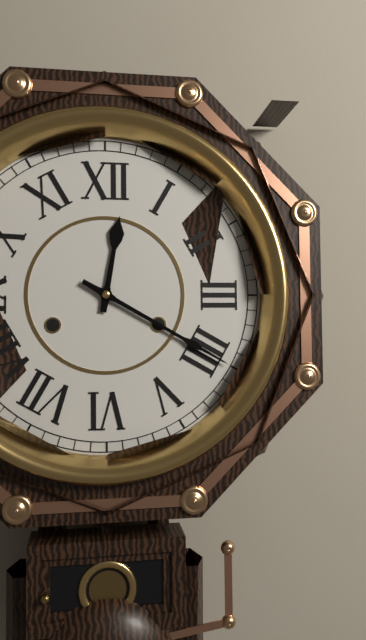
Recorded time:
12 h 20 min
